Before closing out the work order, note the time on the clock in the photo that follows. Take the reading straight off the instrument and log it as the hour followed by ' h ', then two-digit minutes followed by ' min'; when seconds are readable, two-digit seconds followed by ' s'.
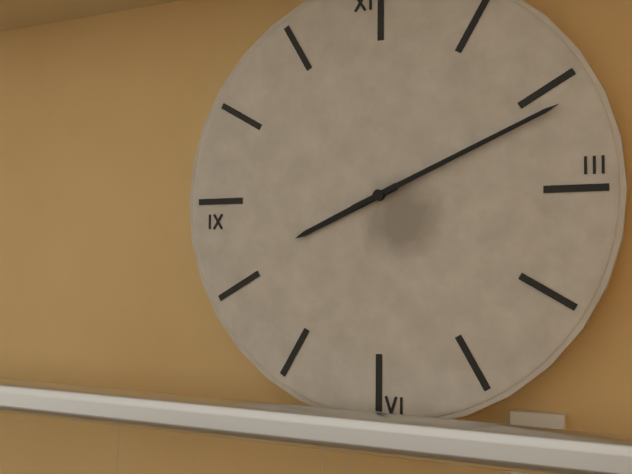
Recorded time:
8 h 11 min
